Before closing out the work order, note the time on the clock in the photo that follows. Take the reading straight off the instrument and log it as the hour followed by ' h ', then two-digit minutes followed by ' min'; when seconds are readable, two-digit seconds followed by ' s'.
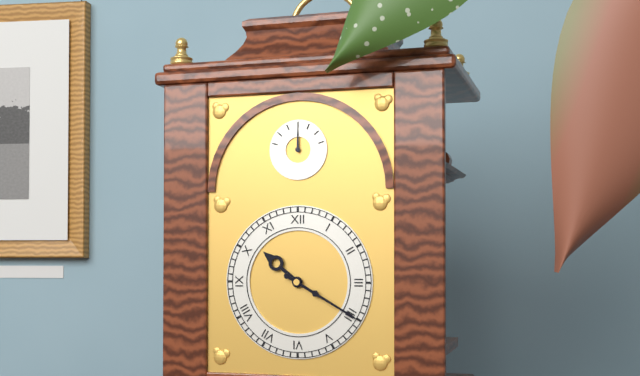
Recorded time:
10 h 20 min
